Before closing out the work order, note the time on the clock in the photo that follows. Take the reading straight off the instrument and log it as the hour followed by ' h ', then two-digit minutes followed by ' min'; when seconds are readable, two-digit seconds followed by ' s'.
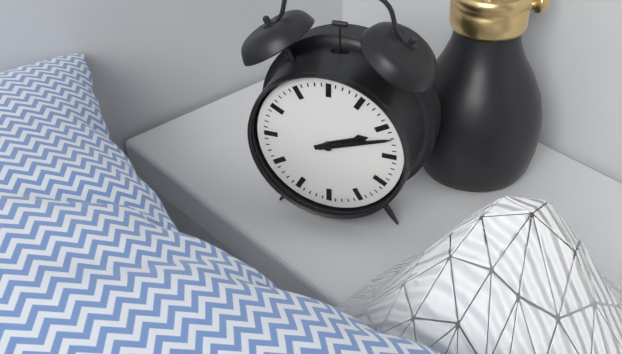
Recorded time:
2 h 12 min
